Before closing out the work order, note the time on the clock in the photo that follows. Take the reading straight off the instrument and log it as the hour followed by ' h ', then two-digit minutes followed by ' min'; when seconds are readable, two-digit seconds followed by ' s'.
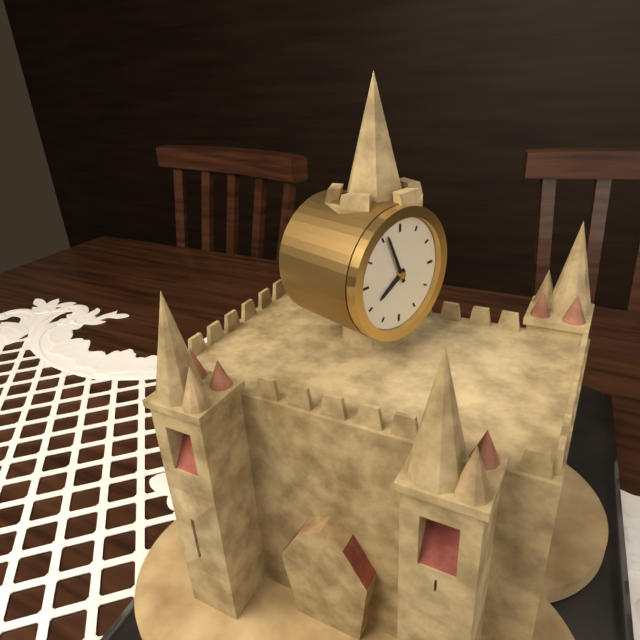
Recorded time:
7 h 56 min
